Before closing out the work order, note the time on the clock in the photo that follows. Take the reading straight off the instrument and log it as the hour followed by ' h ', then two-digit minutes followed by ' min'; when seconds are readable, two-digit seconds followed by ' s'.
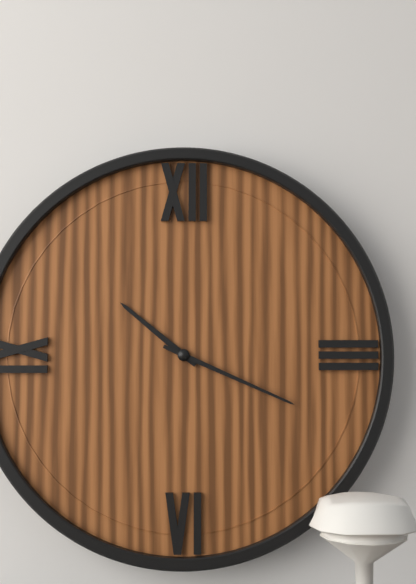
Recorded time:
10 h 19 min
